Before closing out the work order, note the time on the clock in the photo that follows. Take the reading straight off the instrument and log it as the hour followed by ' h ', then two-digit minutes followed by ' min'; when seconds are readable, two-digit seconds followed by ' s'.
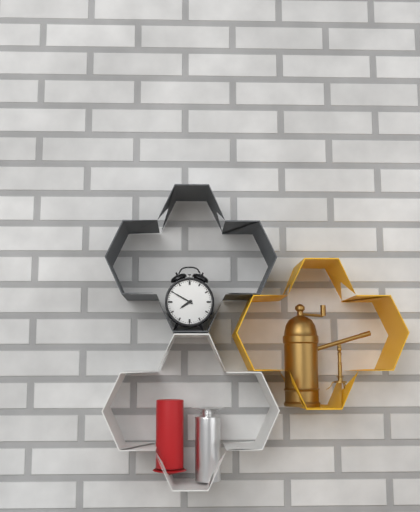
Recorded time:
7 h 50 min
